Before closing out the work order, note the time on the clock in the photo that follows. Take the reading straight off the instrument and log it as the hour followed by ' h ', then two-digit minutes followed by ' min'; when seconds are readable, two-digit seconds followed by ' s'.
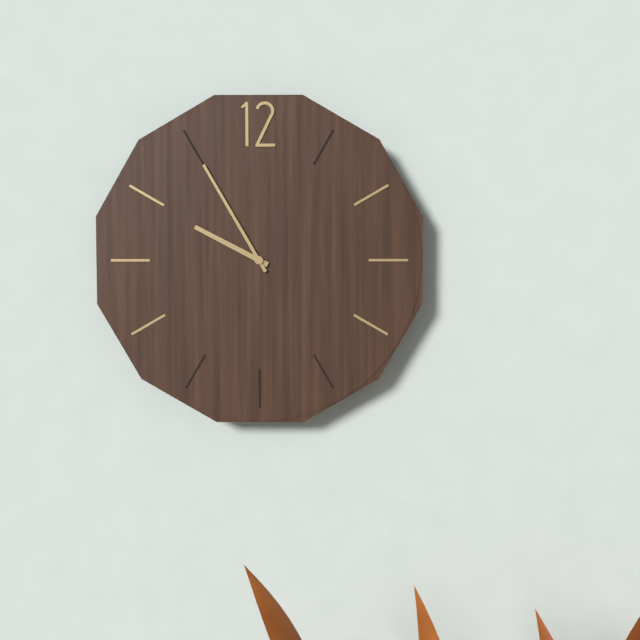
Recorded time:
9 h 55 min
